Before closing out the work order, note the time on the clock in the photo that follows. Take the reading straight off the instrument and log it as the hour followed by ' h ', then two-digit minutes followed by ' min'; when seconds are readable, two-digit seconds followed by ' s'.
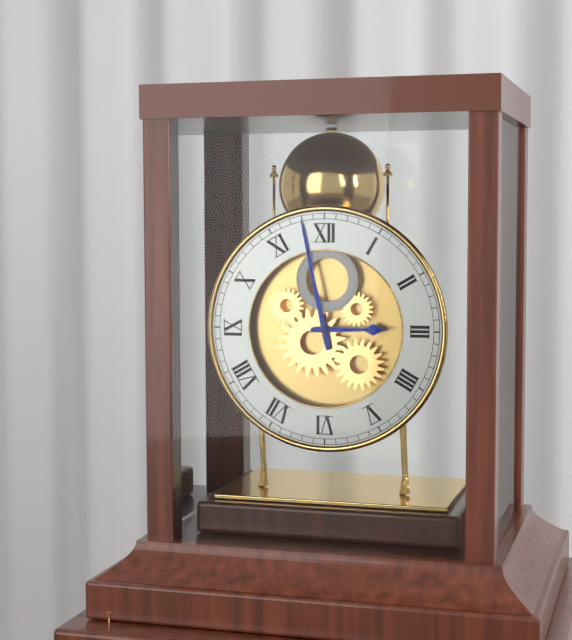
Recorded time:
2 h 58 min
